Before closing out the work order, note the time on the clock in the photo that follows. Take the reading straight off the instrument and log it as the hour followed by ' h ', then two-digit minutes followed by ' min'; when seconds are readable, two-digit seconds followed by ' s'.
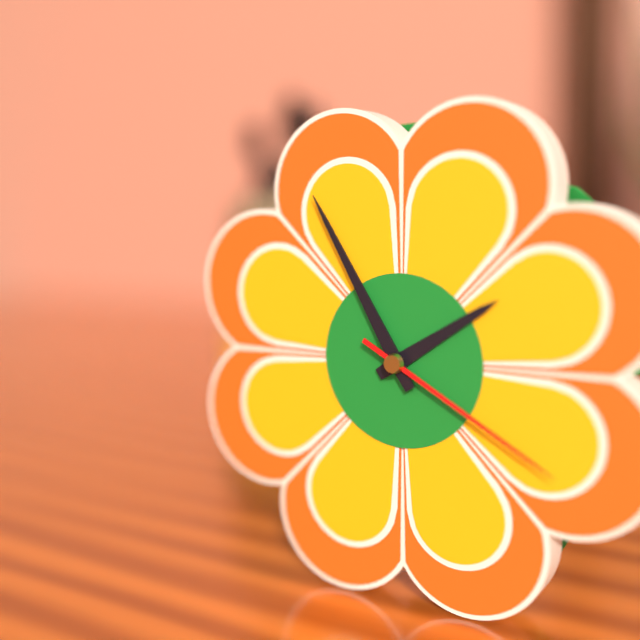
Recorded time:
1 h 55 min 20 s
